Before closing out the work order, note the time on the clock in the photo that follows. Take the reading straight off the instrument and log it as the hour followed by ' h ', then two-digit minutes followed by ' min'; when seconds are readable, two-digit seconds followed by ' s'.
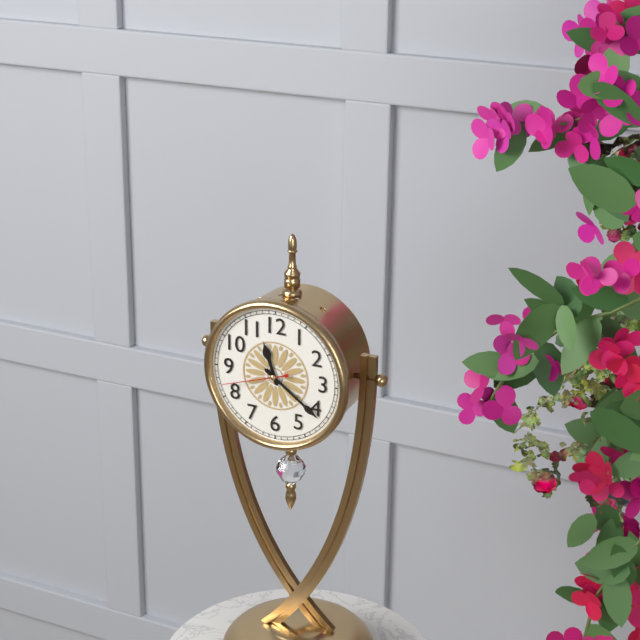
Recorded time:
11 h 21 min 42 s
